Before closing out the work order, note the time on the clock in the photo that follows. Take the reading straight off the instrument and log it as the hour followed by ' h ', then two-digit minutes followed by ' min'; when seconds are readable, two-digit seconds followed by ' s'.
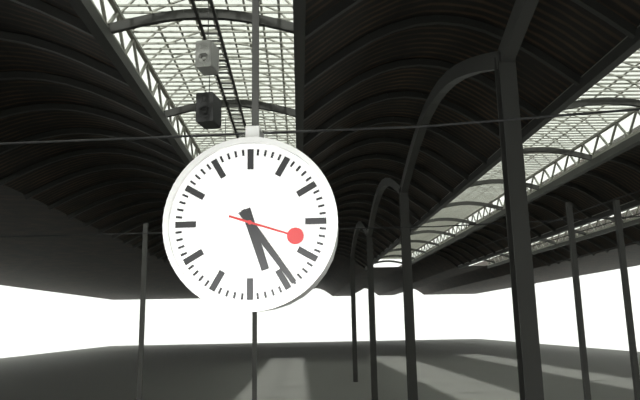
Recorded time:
5 h 24 min 18 s
